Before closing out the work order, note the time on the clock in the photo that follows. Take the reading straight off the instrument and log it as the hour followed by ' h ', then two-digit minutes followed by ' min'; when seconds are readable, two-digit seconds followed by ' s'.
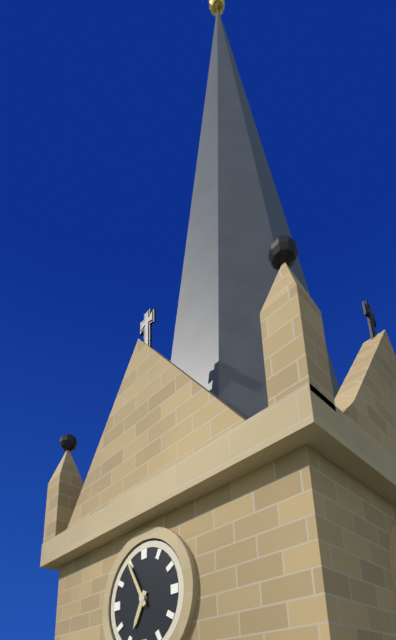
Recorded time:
6 h 55 min
